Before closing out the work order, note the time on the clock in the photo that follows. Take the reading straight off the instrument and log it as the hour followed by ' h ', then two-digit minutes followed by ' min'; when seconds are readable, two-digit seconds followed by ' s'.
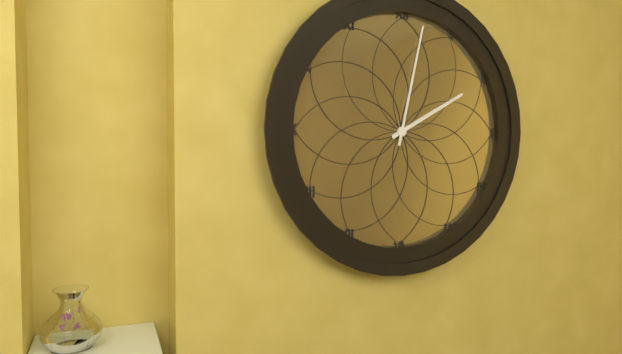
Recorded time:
2 h 02 min
